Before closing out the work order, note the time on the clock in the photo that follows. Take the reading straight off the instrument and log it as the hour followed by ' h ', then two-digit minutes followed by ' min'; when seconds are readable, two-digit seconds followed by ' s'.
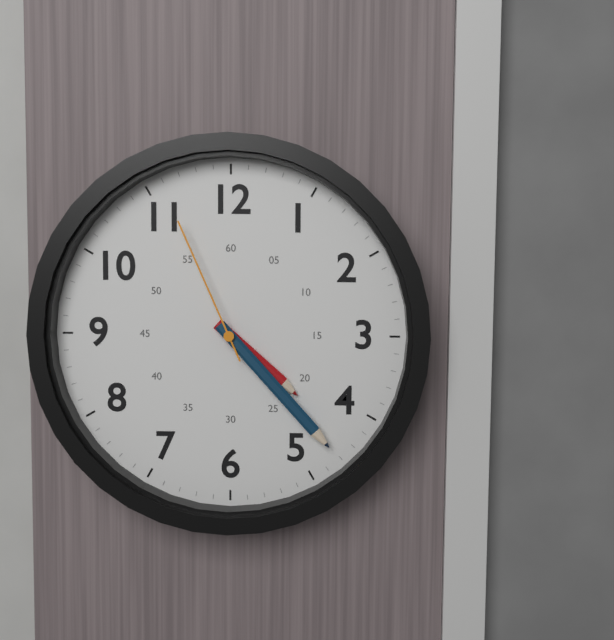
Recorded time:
4 h 23 min 56 s
